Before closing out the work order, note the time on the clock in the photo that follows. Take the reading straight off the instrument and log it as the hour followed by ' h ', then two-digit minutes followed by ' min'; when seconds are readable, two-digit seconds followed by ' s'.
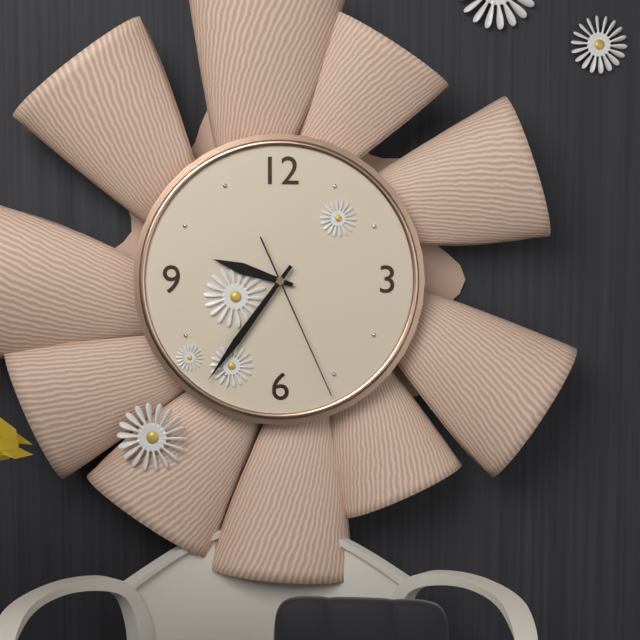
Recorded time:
9 h 36 min 26 s
